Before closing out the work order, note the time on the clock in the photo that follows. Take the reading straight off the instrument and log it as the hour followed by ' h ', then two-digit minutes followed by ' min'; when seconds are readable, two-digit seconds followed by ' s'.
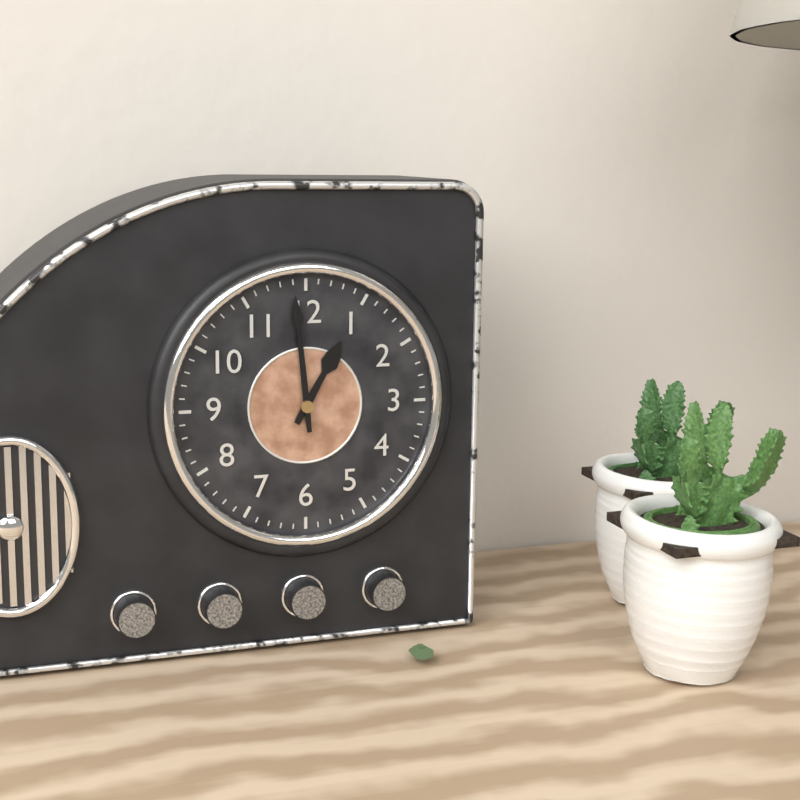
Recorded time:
12 h 59 min
